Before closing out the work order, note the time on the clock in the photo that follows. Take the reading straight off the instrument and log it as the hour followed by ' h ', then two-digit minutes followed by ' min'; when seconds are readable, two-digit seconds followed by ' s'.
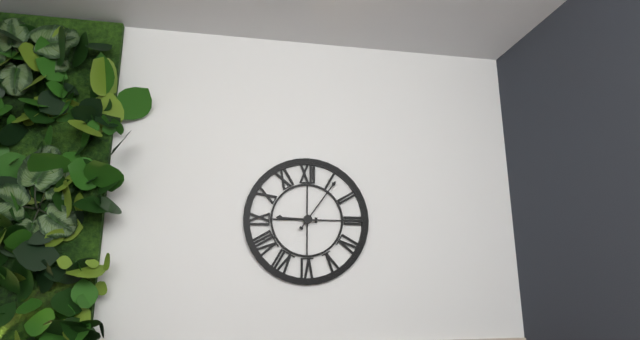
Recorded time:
9 h 06 min
